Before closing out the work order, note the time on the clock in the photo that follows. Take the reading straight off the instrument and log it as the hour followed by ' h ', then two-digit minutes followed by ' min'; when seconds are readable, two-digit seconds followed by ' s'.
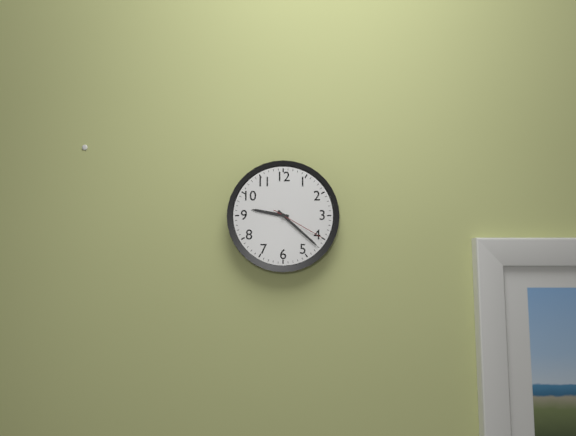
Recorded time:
9 h 22 min 20 s
